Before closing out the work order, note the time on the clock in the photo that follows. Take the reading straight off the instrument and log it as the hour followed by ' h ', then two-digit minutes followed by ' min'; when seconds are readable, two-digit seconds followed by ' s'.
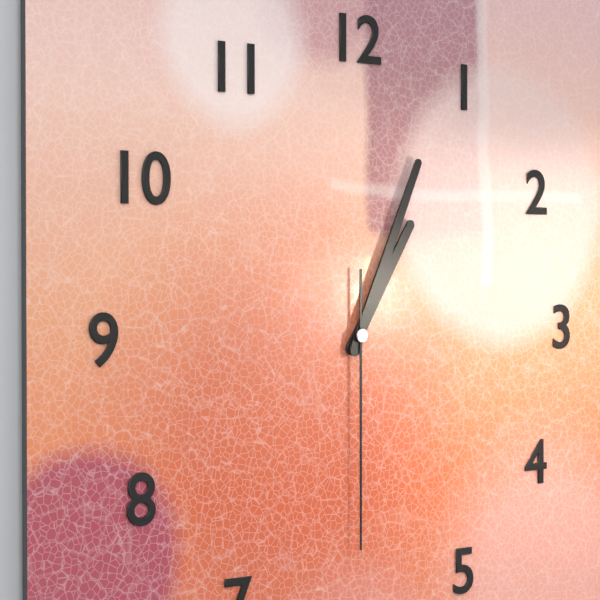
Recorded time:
1 h 04 min 30 s
